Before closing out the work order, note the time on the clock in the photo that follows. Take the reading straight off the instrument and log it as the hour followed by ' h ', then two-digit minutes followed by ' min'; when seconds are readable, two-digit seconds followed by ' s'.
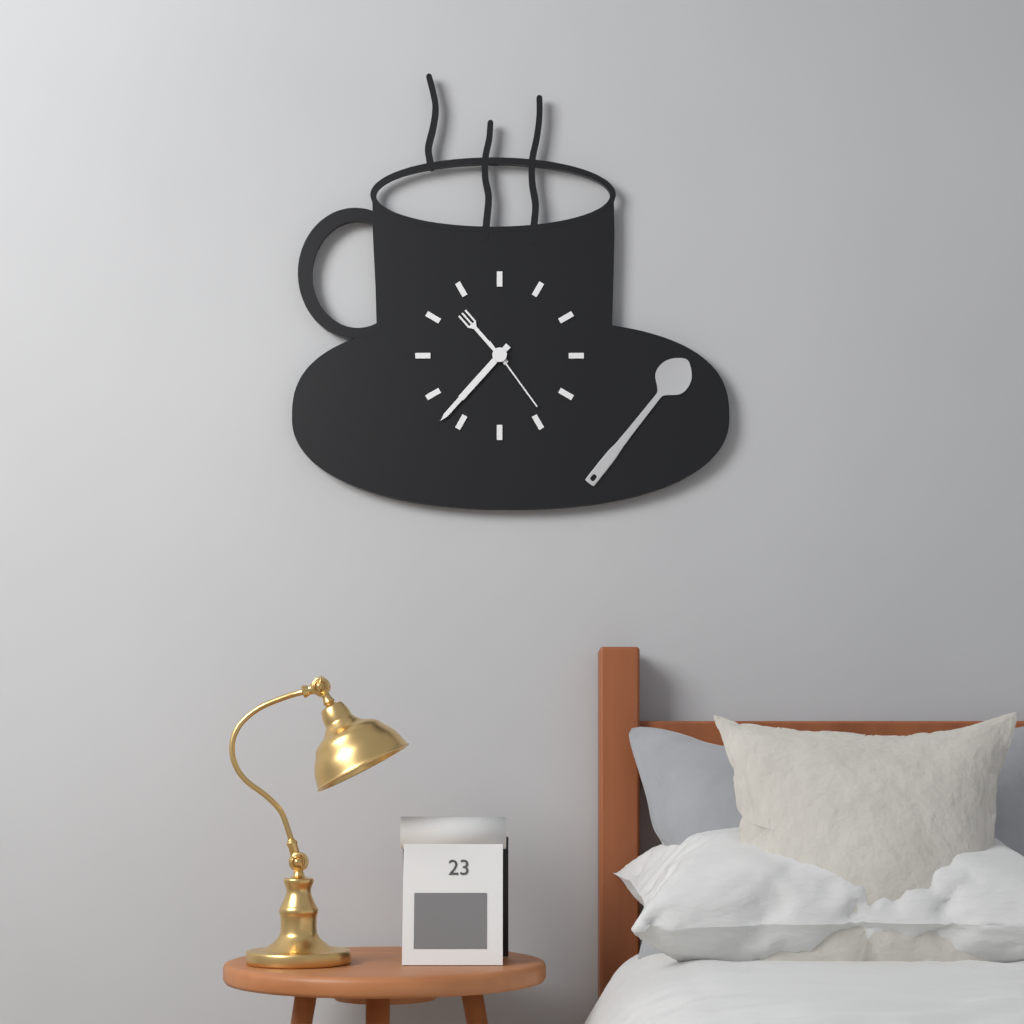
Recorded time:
10 h 37 min 24 s
